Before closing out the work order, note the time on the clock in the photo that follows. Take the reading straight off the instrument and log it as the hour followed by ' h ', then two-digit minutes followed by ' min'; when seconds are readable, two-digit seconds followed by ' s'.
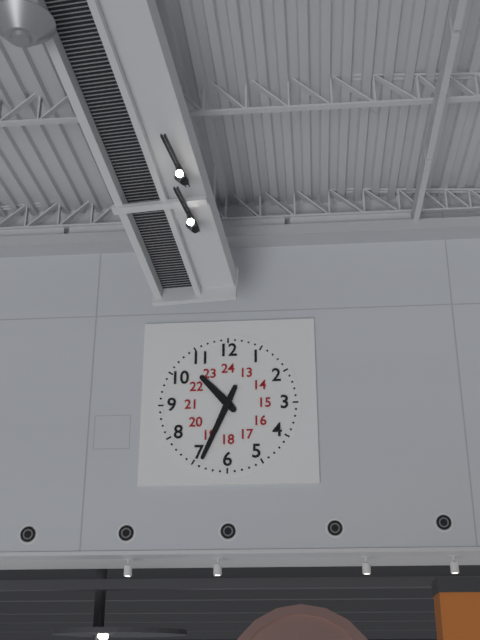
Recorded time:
10 h 34 min
